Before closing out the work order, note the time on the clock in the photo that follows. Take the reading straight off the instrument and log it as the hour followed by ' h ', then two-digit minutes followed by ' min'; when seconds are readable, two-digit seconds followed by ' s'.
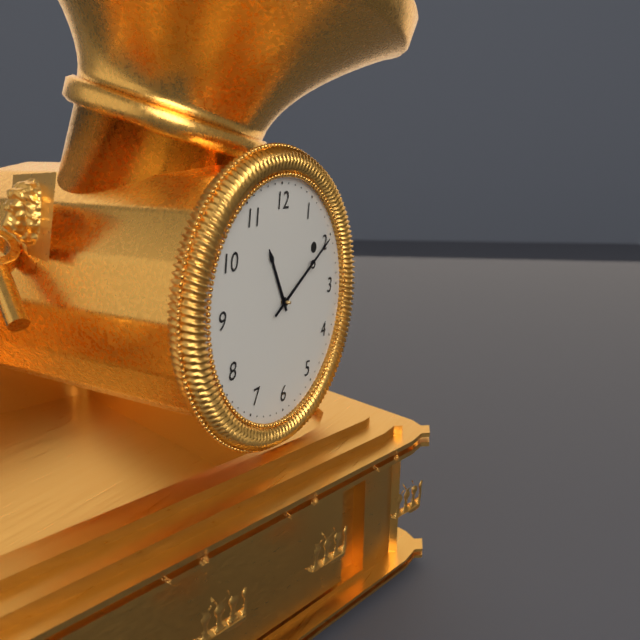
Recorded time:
11 h 10 min
